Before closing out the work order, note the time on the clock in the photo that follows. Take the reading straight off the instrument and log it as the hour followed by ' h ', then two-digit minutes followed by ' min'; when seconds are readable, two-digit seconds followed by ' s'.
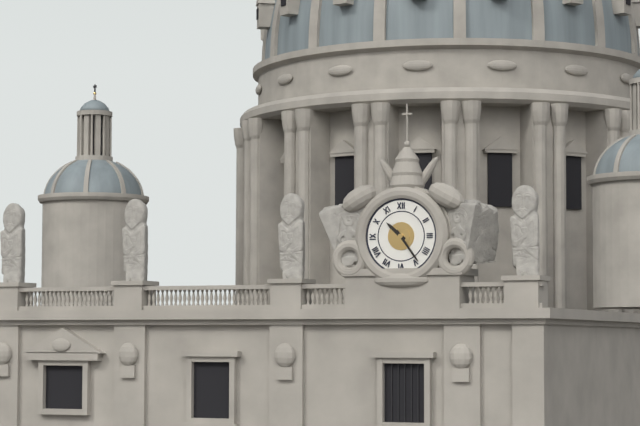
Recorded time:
10 h 24 min
